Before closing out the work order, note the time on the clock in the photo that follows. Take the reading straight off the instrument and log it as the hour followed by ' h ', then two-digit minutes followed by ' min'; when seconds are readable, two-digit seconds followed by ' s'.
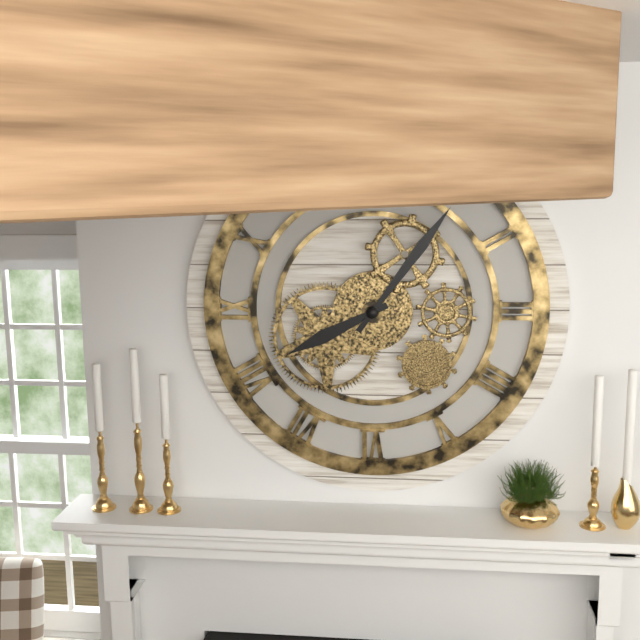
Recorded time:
8 h 06 min
